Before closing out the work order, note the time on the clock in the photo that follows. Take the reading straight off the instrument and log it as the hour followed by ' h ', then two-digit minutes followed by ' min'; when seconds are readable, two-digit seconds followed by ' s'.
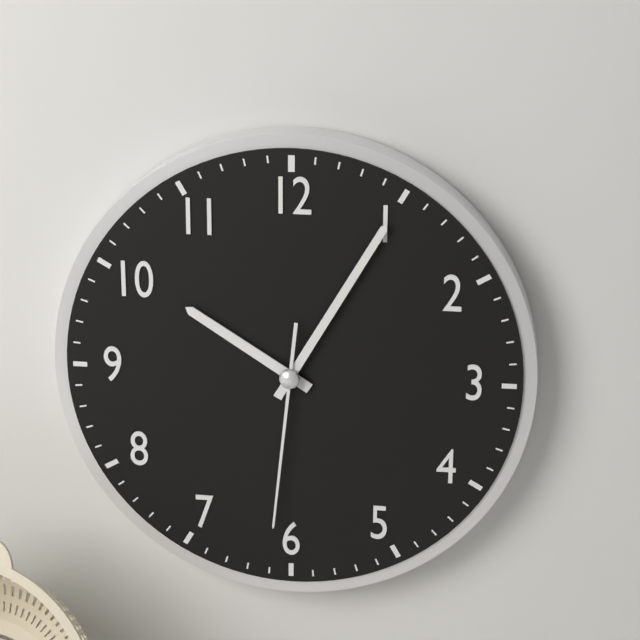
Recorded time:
10 h 05 min 31 s
